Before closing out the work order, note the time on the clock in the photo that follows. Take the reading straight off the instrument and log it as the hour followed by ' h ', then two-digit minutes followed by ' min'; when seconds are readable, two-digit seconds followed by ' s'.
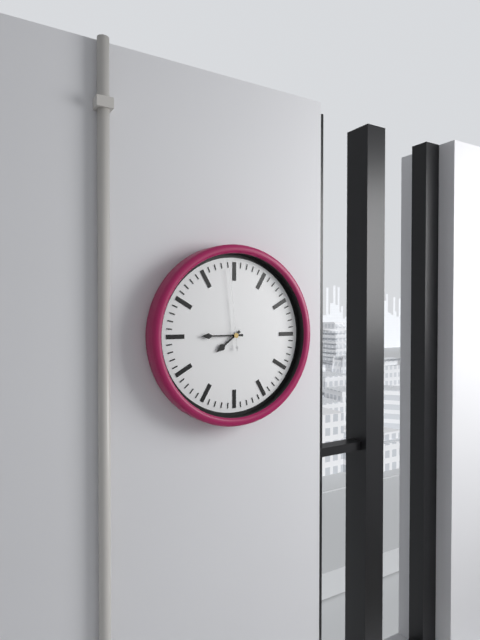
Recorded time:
7 h 45 min 59 s
